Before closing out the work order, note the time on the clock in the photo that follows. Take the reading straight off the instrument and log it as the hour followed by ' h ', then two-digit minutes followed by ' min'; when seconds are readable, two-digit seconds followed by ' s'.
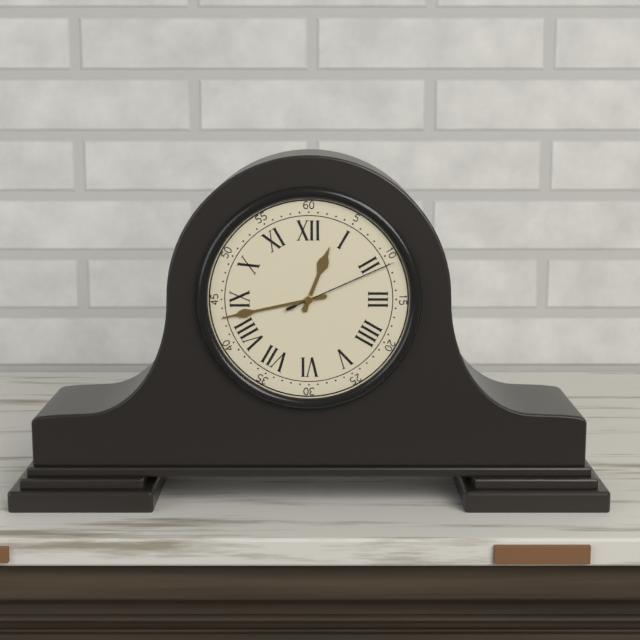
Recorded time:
12 h 43 min 11 s
